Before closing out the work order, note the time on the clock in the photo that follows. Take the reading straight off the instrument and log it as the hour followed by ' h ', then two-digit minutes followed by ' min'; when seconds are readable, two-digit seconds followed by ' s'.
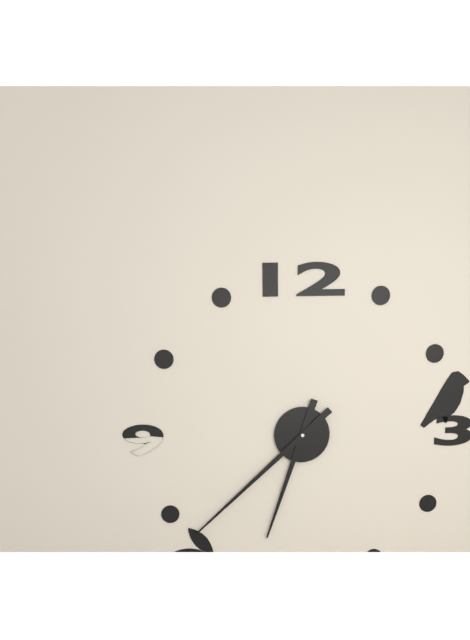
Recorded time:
6 h 38 min
